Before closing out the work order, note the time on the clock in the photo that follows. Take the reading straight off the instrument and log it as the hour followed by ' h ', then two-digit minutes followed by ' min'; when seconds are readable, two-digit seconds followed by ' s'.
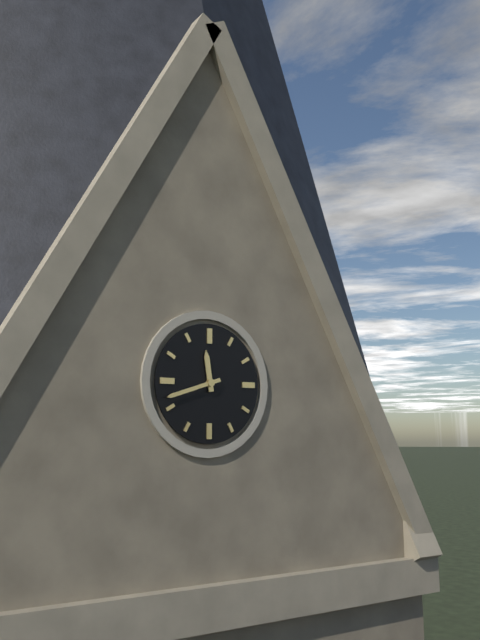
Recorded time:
11 h 42 min
